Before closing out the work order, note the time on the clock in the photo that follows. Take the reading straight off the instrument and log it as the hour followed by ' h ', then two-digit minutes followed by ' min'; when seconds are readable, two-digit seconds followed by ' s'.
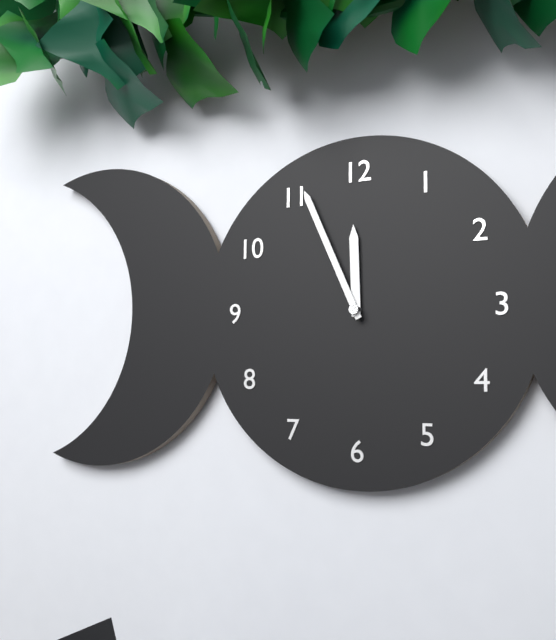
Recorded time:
11 h 56 min
